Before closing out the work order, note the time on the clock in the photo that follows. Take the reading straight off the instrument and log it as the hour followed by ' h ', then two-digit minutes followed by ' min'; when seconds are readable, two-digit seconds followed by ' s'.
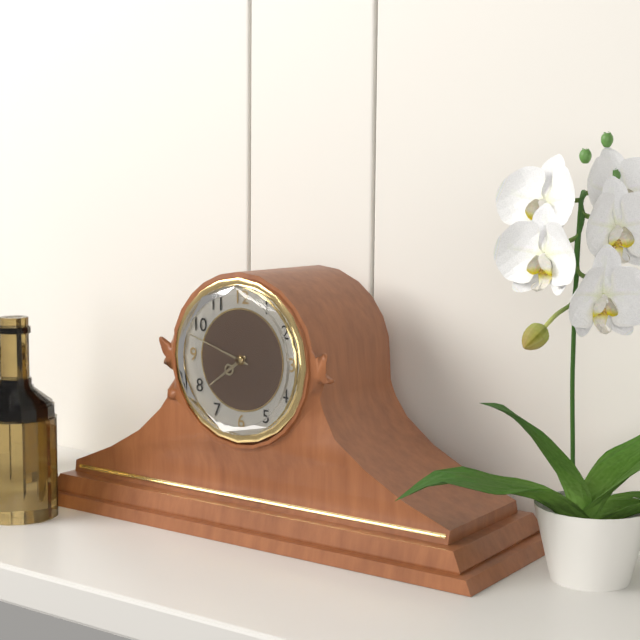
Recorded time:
7 h 48 min
